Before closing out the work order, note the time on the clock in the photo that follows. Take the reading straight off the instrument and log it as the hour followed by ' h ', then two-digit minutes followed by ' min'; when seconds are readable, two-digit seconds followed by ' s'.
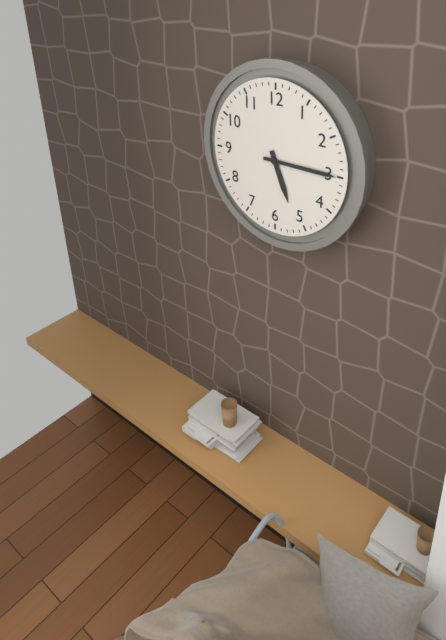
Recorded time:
5 h 15 min
